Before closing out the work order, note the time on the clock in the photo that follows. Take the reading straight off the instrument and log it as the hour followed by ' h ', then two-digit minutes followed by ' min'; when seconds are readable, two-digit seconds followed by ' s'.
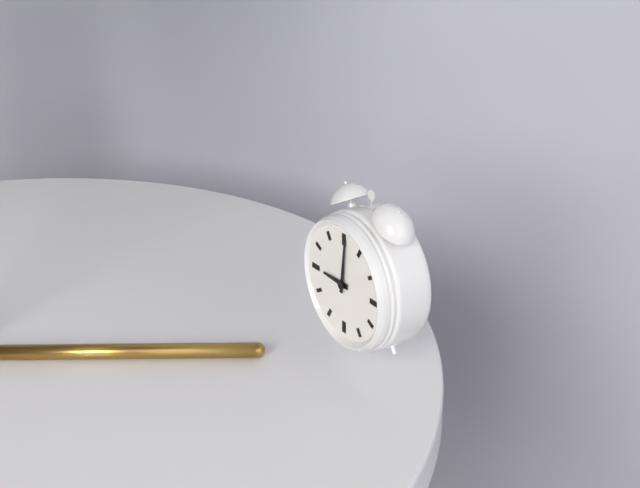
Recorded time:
9 h 01 min
